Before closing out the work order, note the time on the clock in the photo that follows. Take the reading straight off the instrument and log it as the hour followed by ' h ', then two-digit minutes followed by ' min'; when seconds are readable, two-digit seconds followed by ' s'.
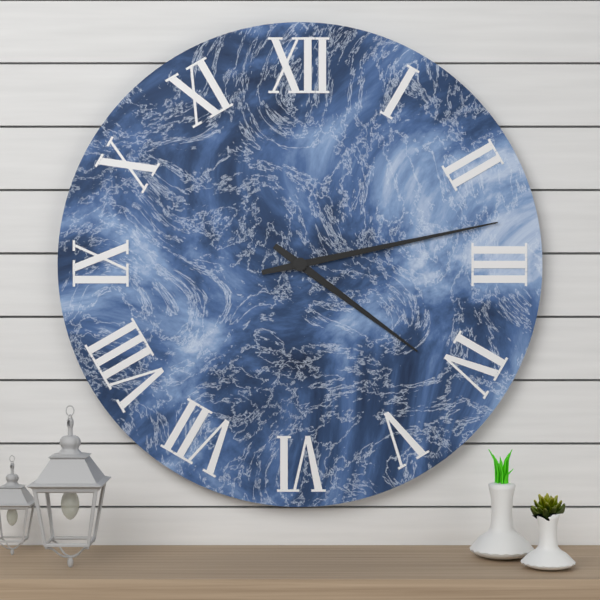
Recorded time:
4 h 13 min
